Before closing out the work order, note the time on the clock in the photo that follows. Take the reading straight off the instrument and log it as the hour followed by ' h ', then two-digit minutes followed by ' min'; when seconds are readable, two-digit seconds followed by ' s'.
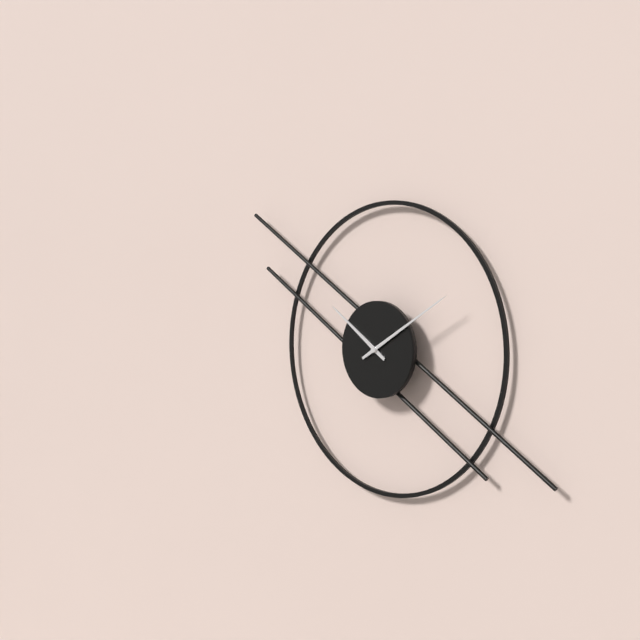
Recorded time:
10 h 10 min
